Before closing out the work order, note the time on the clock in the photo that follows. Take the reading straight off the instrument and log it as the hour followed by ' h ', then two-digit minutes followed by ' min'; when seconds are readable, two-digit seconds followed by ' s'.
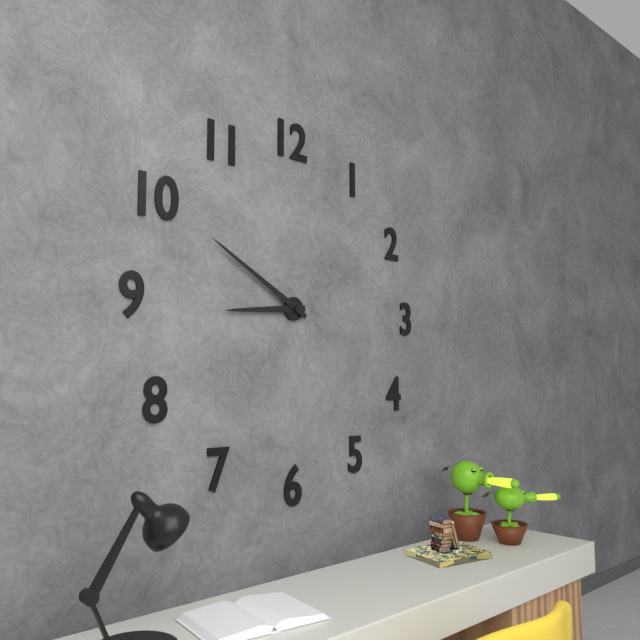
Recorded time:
8 h 50 min
